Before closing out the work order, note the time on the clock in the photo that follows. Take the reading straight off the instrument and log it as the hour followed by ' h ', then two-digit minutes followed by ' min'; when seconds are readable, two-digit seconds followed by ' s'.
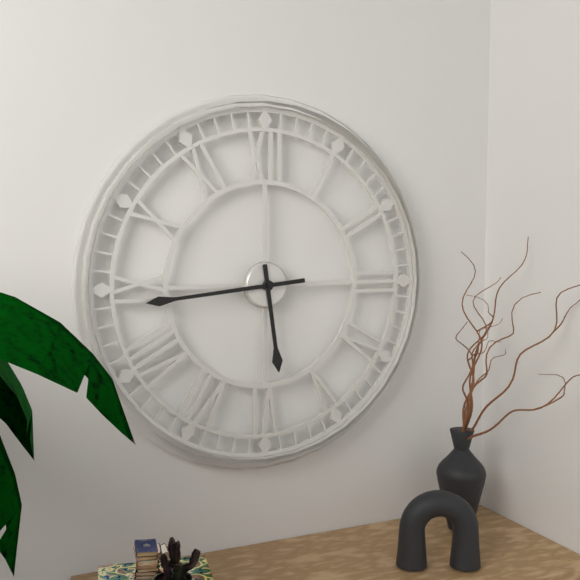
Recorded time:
5 h 44 min
